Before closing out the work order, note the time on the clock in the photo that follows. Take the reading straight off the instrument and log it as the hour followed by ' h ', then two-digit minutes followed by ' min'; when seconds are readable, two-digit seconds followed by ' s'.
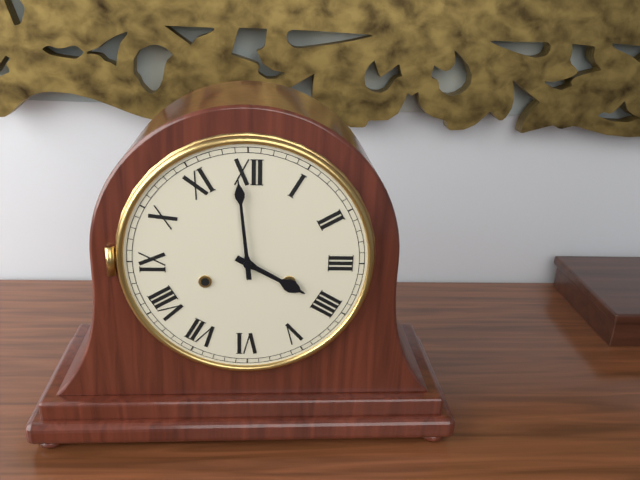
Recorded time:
3 h 59 min
